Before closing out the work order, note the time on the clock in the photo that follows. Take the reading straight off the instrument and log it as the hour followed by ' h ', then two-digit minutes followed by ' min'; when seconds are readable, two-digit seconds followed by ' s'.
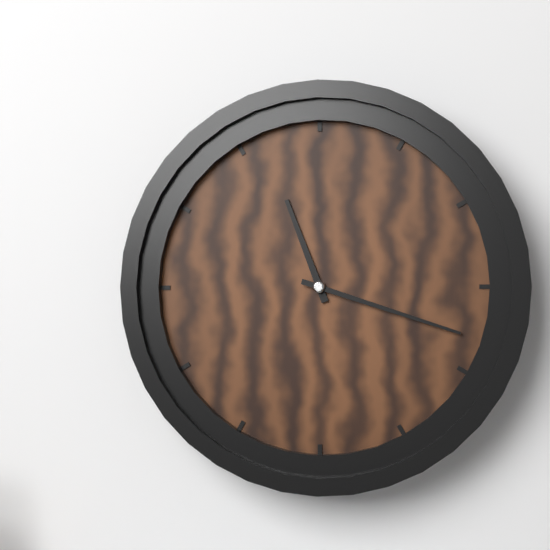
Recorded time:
11 h 18 min
